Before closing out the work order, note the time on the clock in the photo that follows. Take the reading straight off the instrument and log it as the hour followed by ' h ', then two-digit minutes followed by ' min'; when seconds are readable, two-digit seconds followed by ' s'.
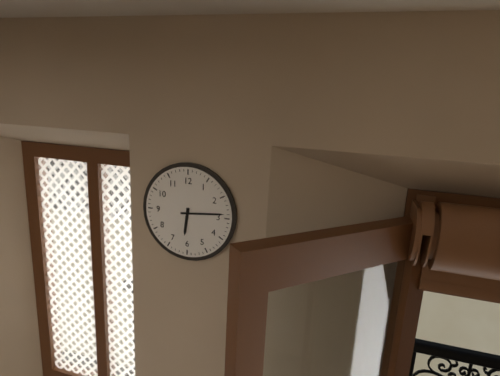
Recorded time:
6 h 14 min
